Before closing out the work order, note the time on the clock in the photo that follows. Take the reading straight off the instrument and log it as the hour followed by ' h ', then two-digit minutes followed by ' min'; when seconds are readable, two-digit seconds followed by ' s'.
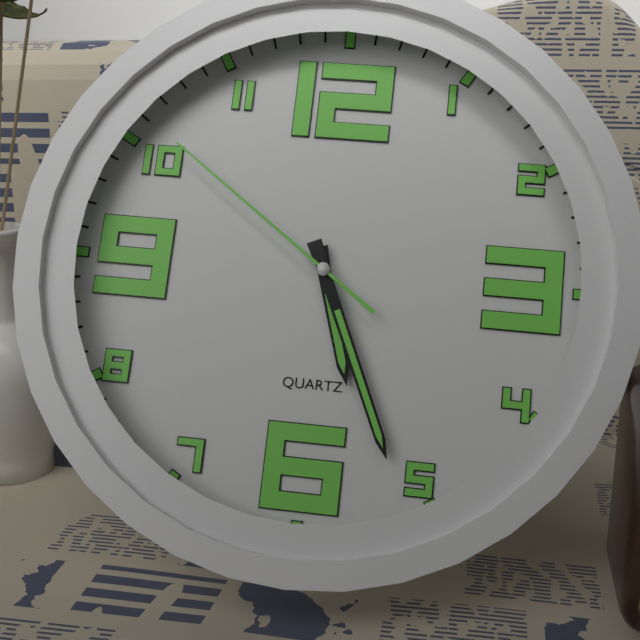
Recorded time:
5 h 26 min 51 s
